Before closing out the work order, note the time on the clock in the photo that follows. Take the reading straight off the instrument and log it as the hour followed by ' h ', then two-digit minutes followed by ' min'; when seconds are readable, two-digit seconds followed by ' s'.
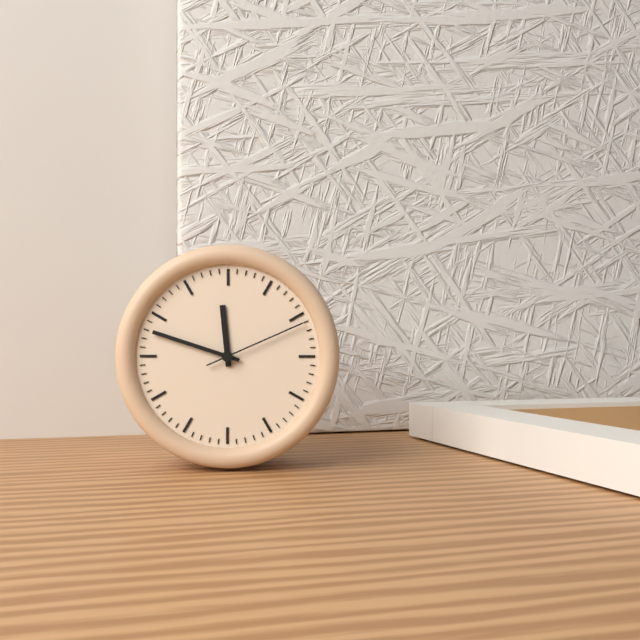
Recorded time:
11 h 48 min 11 s
